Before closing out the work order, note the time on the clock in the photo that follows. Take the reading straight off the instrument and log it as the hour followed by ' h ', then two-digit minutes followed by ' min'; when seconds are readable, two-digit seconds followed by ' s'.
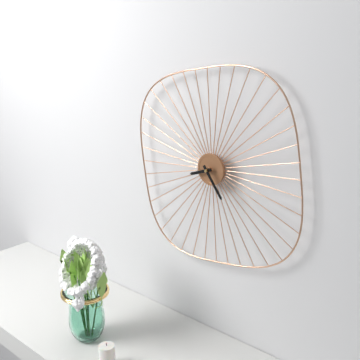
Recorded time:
8 h 24 min
